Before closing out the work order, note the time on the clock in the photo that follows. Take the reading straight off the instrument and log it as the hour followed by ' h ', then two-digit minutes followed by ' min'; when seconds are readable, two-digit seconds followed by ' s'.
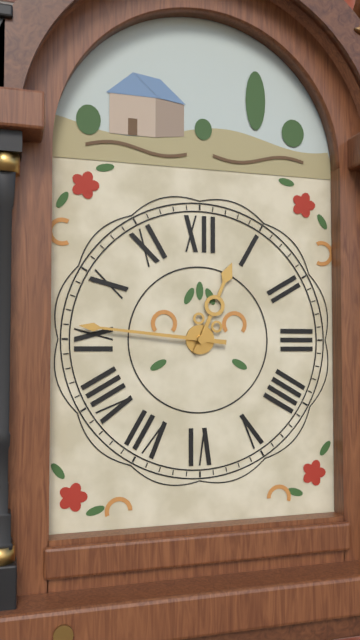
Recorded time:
12 h 46 min
